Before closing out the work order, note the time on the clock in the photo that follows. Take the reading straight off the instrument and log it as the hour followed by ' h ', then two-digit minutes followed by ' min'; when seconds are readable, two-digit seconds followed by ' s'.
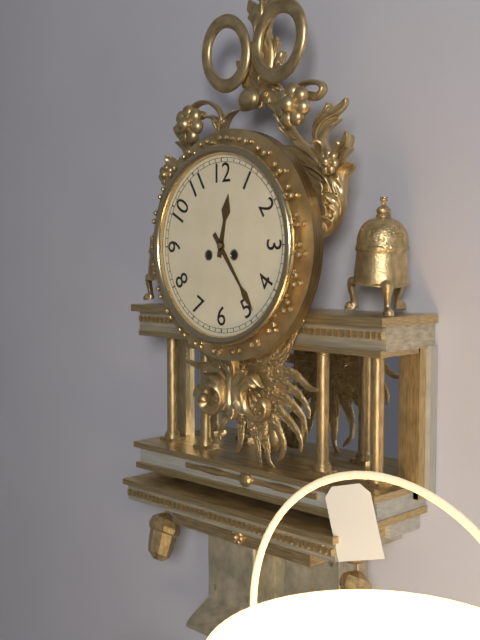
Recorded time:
12 h 24 min
